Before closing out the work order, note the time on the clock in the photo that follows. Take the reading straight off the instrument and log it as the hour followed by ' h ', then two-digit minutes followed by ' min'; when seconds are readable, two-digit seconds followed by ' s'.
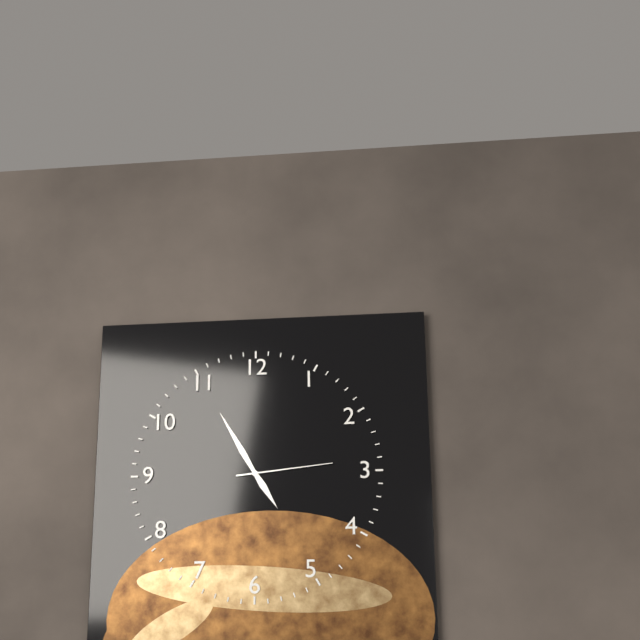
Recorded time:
4 h 55 min 14 s
